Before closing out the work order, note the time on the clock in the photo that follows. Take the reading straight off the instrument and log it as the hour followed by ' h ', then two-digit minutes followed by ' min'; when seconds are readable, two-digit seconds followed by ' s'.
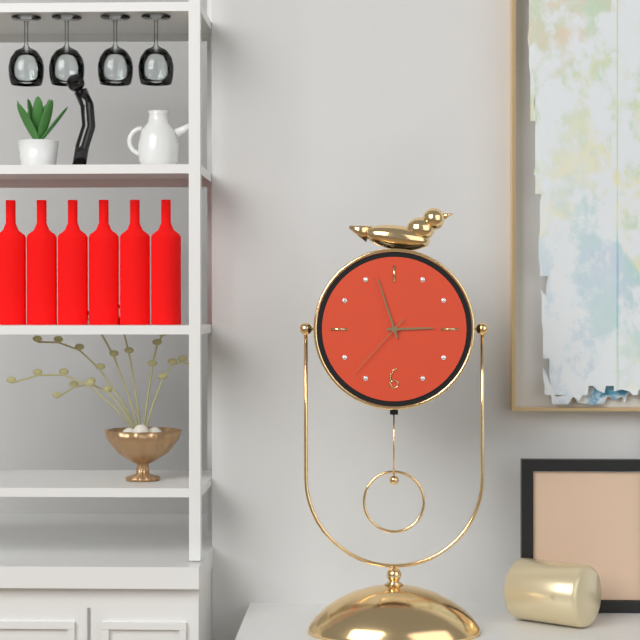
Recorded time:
2 h 57 min 37 s
